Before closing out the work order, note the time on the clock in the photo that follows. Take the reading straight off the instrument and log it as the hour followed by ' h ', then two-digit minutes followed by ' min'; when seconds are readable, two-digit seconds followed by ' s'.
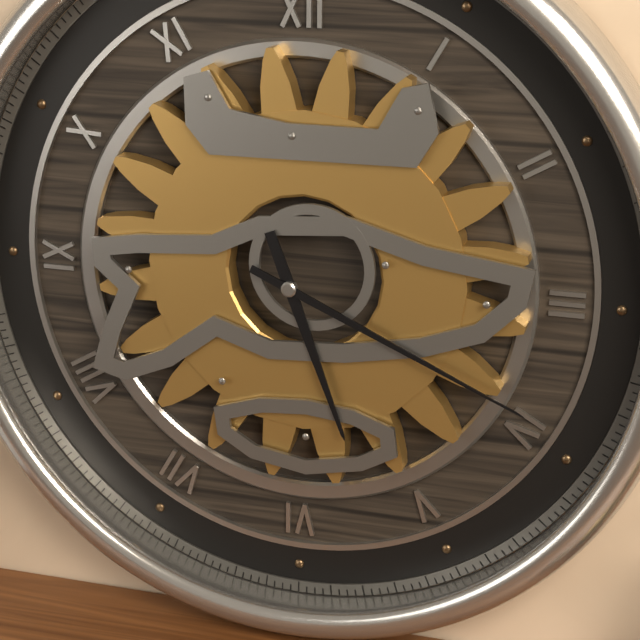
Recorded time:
5 h 19 min
